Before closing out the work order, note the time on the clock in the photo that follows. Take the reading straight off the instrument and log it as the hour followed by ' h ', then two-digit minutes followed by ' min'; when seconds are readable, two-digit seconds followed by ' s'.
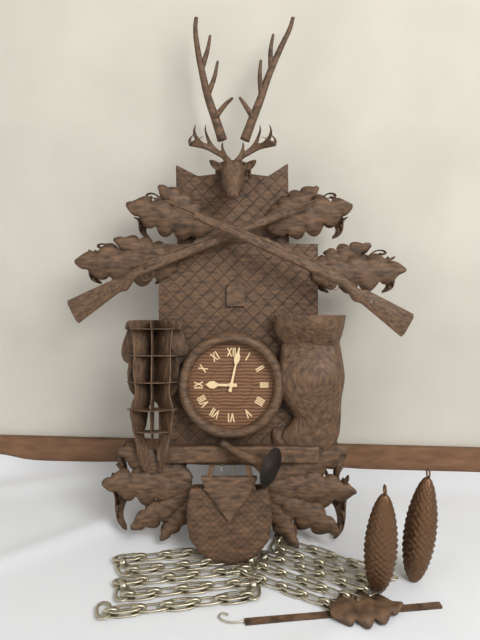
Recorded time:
9 h 02 min
